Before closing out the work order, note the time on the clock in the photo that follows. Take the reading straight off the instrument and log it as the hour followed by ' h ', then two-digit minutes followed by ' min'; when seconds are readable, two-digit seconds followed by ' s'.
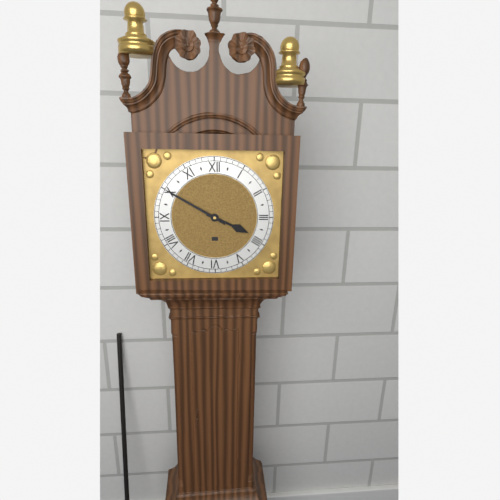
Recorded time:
3 h 50 min
